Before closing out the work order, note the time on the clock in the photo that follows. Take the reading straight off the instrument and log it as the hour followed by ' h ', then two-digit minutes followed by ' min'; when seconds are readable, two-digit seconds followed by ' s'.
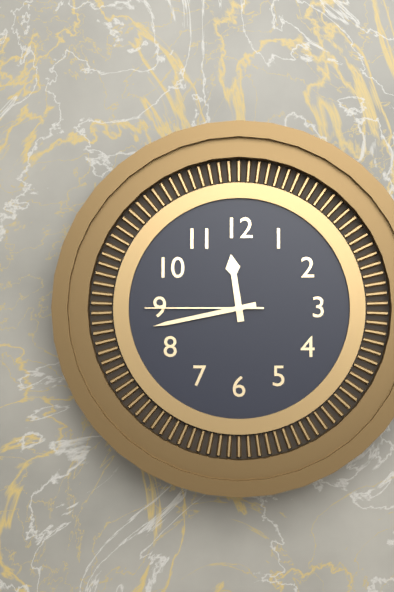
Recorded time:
11 h 43 min 45 s
